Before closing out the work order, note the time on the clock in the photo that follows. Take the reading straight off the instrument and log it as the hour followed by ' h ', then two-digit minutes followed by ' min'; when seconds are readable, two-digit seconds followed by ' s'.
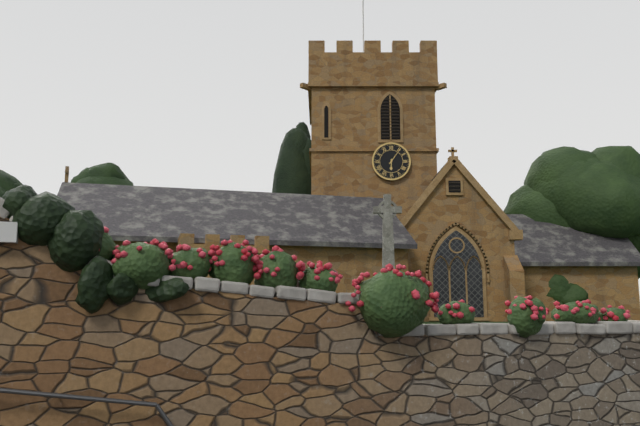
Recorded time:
6 h 06 min
